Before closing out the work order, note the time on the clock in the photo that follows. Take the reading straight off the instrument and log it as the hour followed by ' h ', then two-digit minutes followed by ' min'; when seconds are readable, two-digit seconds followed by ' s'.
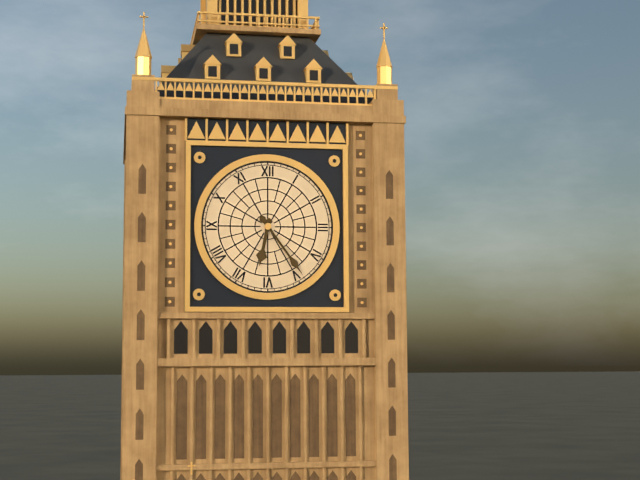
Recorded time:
6 h 24 min
